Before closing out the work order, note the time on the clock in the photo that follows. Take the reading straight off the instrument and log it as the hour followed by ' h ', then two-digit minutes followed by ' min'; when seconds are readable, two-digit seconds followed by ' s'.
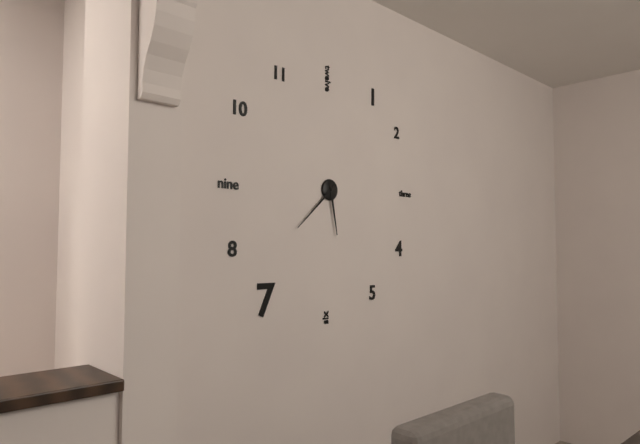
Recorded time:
5 h 38 min
